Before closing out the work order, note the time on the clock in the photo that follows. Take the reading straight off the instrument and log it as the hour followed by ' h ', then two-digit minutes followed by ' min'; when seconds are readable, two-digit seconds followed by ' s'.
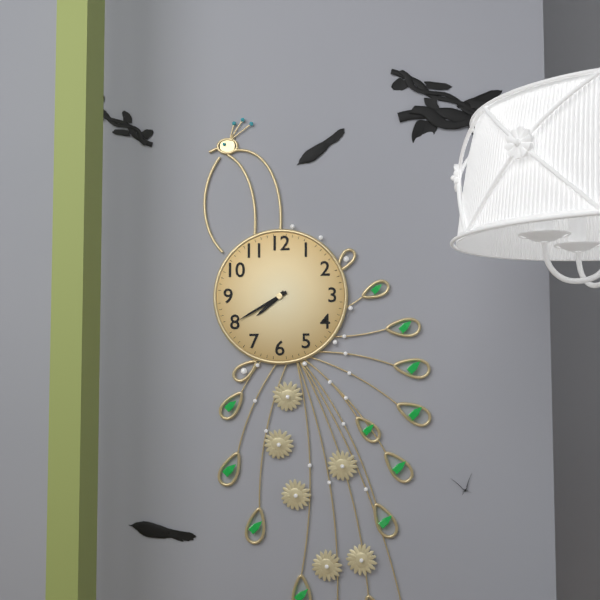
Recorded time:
7 h 40 min
